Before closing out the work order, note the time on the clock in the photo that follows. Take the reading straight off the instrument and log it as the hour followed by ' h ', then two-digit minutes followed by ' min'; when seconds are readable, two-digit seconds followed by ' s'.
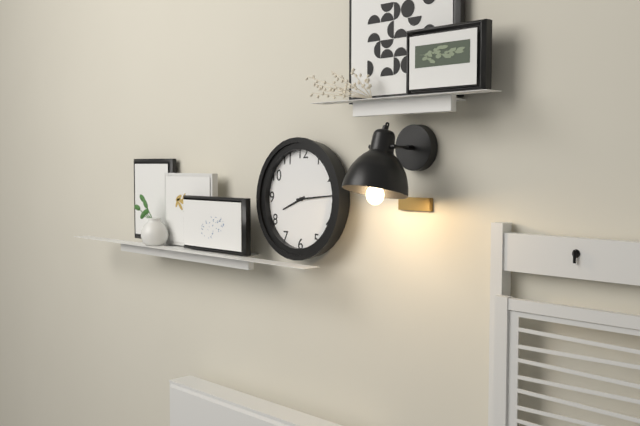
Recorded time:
8 h 14 min
